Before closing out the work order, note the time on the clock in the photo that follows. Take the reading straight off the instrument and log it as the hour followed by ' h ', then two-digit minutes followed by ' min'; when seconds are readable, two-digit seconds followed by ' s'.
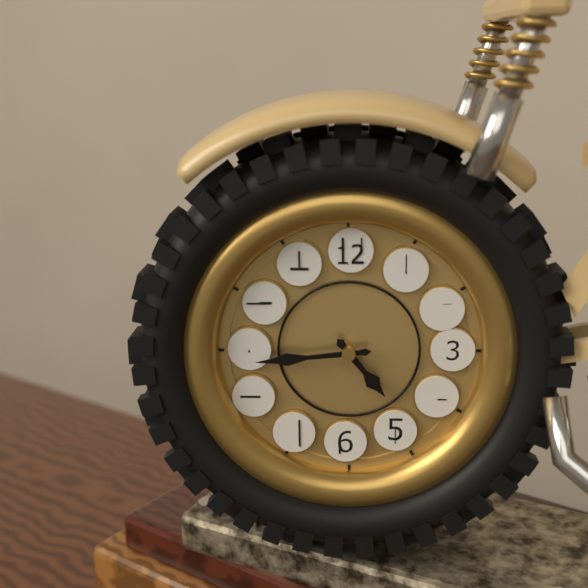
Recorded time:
4 h 44 min
